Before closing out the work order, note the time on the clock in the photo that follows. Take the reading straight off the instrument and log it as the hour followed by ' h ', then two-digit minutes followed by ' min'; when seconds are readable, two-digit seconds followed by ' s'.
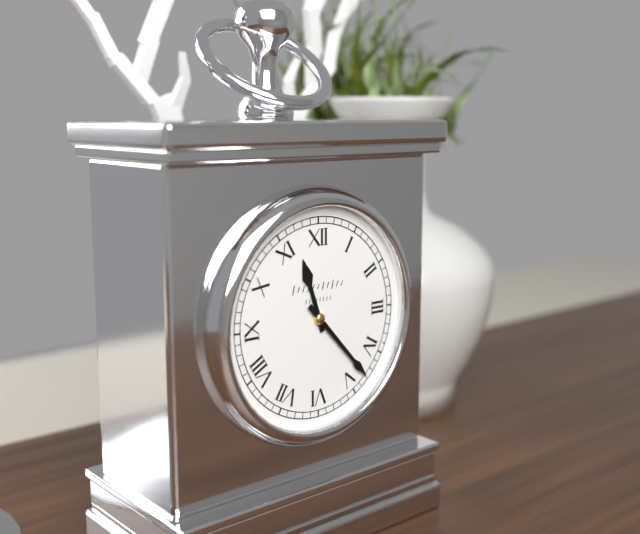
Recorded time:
11 h 23 min
